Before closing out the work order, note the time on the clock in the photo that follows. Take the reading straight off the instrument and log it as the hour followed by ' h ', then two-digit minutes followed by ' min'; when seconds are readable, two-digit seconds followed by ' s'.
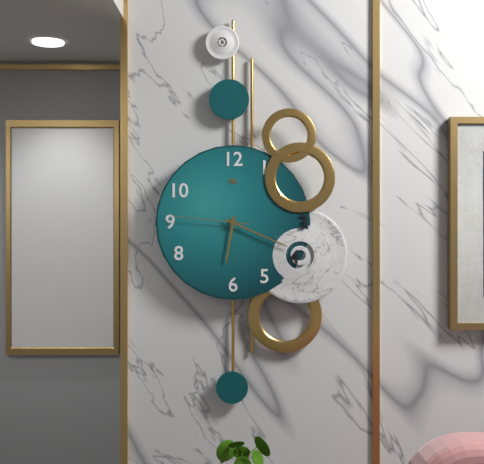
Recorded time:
6 h 19 min 46 s
